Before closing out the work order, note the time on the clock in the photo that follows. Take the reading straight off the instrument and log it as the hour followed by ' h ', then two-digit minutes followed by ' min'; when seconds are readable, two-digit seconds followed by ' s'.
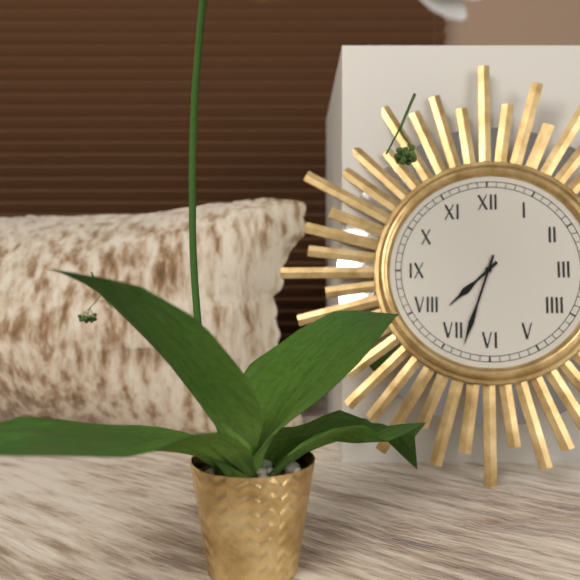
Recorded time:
7 h 33 min
